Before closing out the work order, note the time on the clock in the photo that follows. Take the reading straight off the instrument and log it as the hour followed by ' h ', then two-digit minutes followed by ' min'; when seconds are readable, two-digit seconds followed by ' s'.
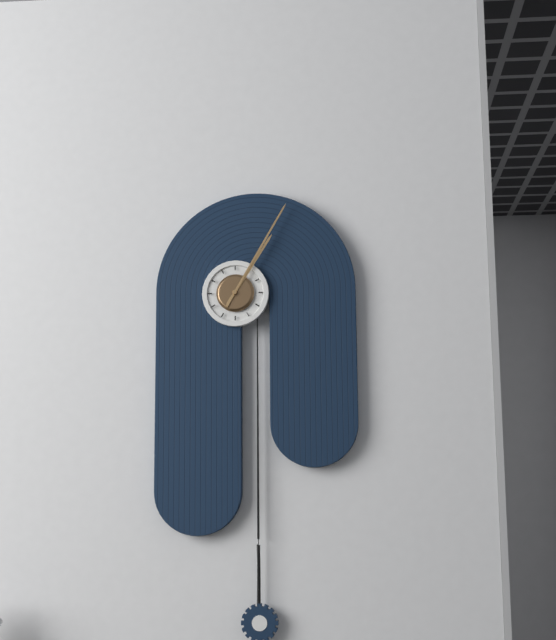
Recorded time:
1 h 05 min
